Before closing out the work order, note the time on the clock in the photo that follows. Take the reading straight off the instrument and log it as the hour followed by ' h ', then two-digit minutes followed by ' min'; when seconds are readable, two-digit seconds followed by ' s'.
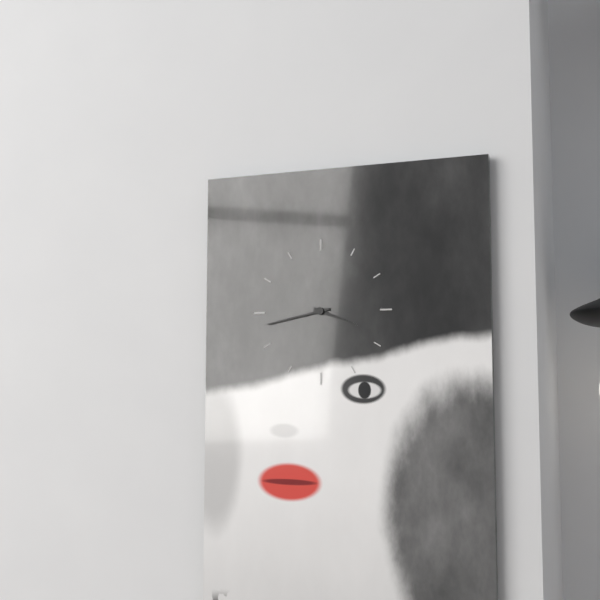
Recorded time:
3 h 43 min
